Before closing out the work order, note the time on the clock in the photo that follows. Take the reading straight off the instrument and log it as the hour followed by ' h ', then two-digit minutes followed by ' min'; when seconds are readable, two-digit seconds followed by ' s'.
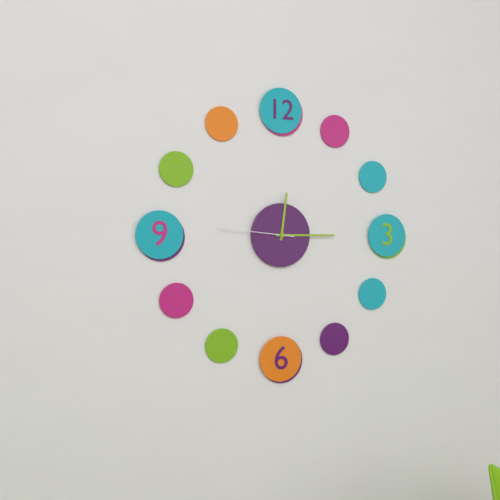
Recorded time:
12 h 15 min 46 s
